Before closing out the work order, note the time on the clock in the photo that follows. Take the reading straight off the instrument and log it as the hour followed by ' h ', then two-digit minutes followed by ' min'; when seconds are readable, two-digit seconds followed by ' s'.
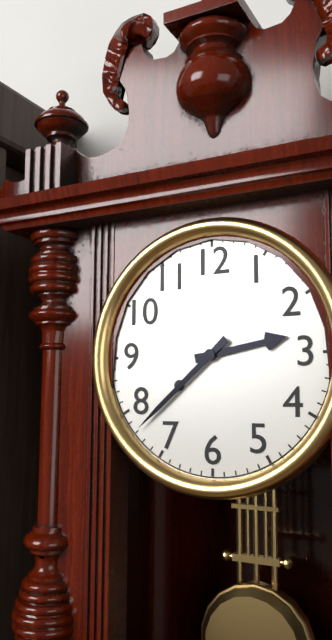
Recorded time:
2 h 38 min
